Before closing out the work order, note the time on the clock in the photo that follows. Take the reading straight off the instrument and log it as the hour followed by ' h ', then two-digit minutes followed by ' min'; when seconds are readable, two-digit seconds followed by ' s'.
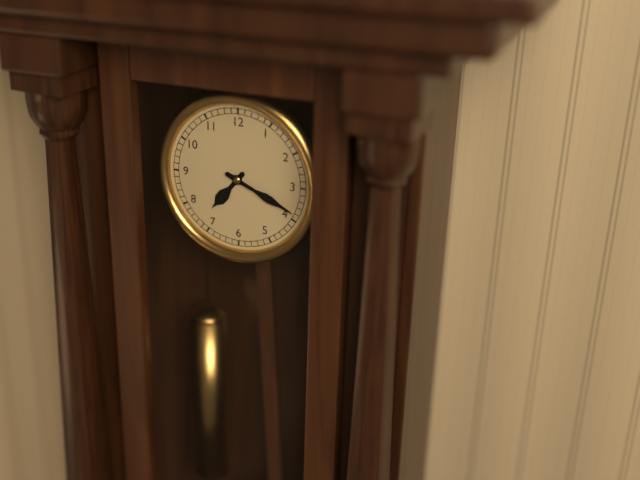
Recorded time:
7 h 19 min
